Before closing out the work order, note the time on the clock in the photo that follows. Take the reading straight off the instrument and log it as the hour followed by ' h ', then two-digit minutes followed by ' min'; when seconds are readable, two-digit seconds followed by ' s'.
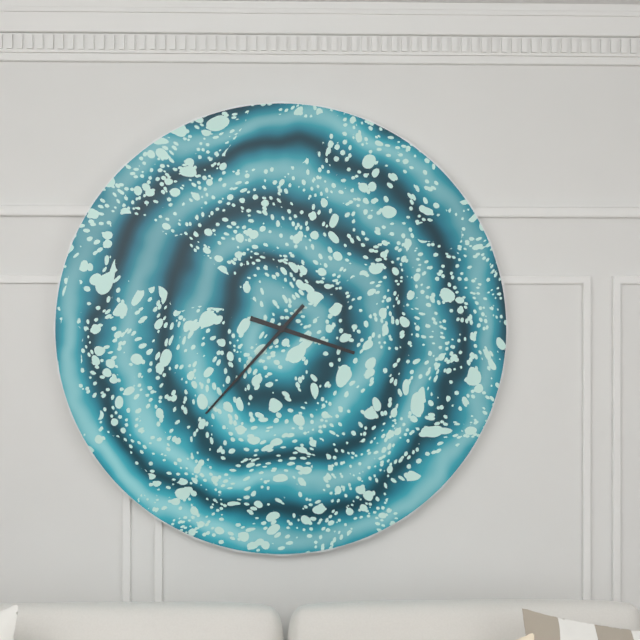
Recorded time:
3 h 37 min
